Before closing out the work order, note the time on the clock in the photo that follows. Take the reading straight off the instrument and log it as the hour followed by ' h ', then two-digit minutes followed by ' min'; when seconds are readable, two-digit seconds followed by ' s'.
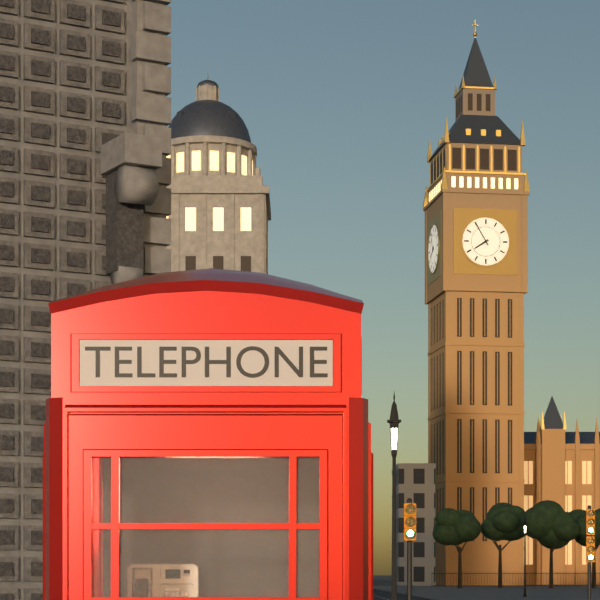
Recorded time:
7 h 55 min
